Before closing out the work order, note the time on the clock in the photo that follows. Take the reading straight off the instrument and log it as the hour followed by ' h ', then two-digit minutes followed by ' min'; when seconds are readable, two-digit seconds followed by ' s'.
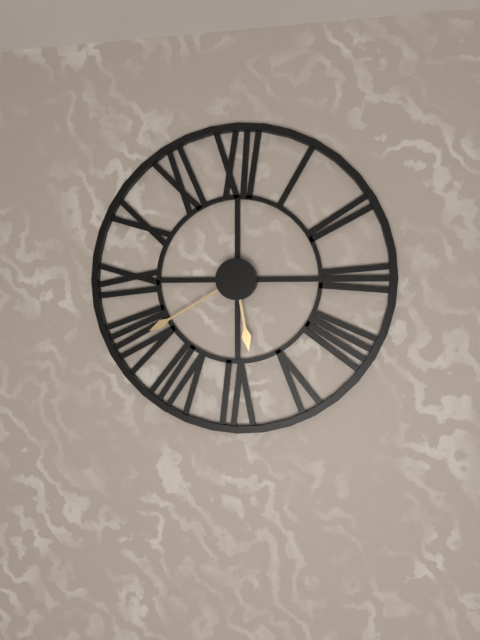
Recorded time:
5 h 40 min
